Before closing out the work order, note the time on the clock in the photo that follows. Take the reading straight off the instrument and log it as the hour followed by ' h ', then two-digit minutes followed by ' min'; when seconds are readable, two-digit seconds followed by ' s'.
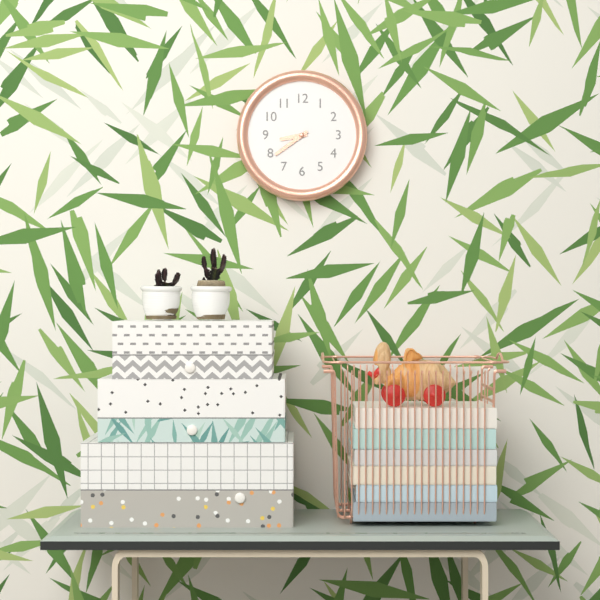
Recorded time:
8 h 39 min
